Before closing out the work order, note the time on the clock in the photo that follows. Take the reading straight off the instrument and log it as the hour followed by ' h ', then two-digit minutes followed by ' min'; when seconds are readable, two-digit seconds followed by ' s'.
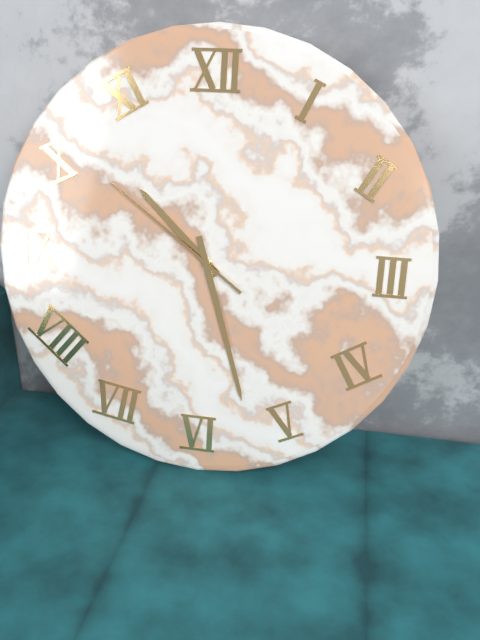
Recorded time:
10 h 27 min 51 s
